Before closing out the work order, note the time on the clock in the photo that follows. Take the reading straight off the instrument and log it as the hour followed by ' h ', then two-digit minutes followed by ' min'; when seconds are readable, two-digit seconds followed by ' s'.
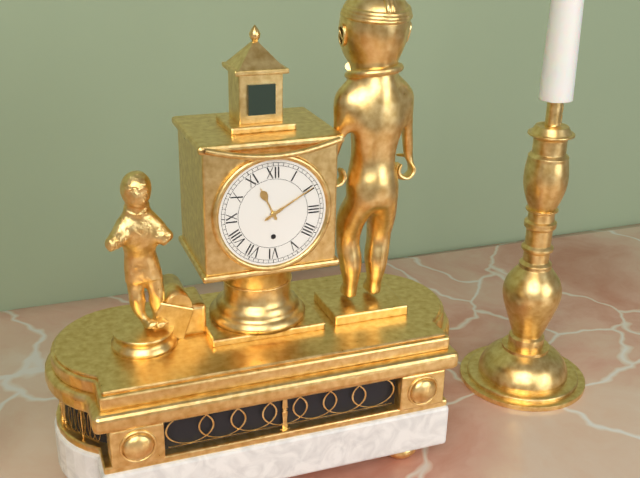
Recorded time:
11 h 10 min
